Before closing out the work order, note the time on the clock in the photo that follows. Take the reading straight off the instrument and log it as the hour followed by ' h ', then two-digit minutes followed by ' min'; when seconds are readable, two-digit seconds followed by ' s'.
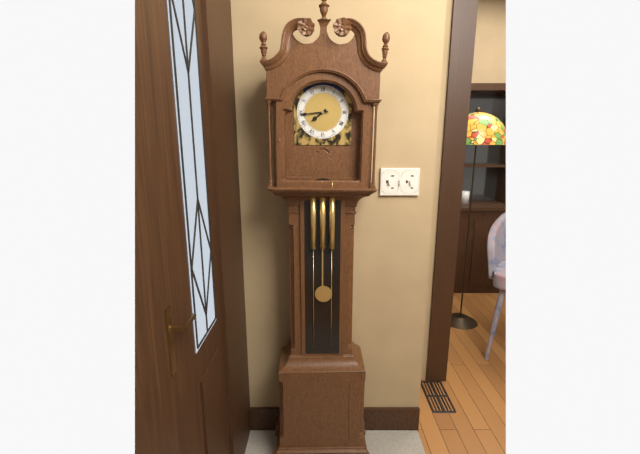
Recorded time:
7 h 44 min
